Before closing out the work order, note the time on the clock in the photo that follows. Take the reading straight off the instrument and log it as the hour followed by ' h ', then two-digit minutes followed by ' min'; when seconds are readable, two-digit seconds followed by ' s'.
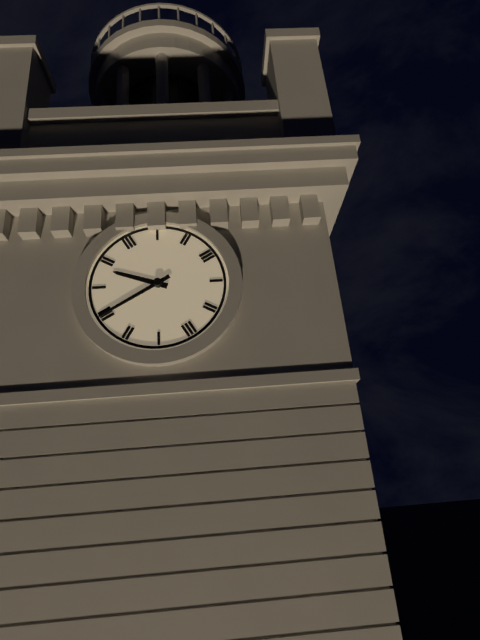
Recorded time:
9 h 40 min
